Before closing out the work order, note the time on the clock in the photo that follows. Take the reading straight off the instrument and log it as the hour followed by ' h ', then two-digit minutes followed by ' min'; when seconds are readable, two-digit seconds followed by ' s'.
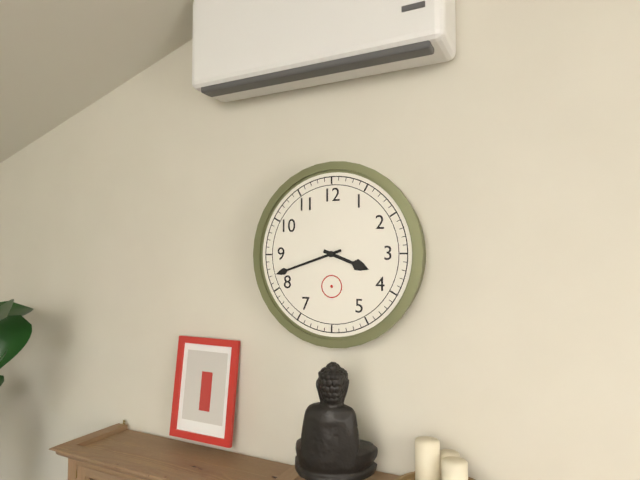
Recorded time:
3 h 42 min
